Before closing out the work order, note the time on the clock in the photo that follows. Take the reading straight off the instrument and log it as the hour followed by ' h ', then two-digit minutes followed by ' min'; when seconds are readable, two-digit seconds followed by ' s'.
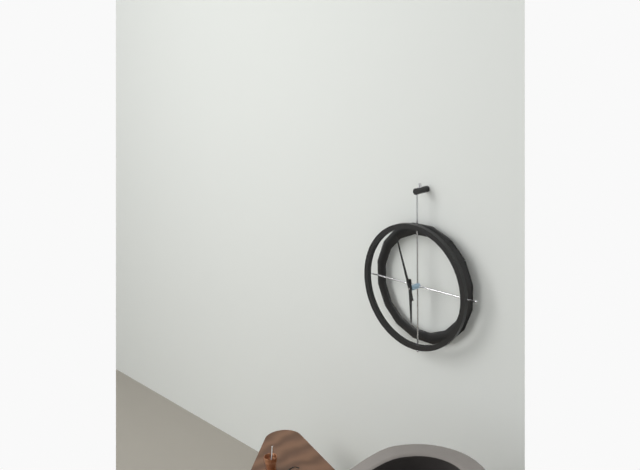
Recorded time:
5 h 57 min
